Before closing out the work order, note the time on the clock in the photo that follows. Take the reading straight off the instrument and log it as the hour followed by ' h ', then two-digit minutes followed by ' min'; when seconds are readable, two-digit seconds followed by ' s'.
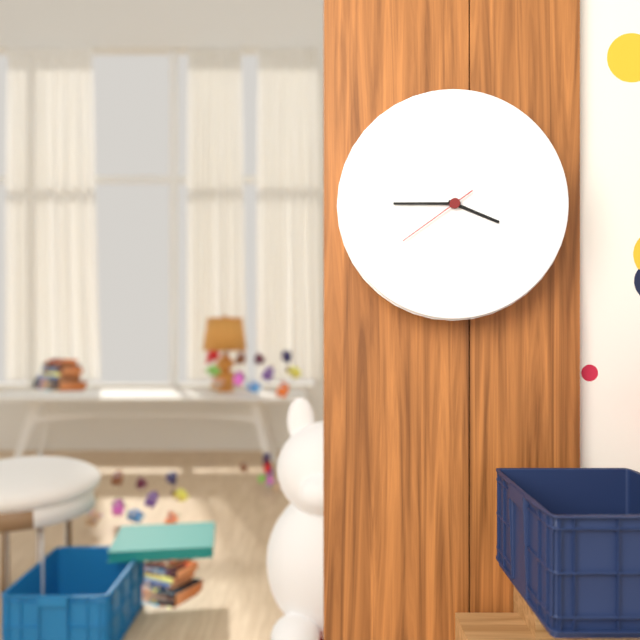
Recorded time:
3 h 45 min 39 s
